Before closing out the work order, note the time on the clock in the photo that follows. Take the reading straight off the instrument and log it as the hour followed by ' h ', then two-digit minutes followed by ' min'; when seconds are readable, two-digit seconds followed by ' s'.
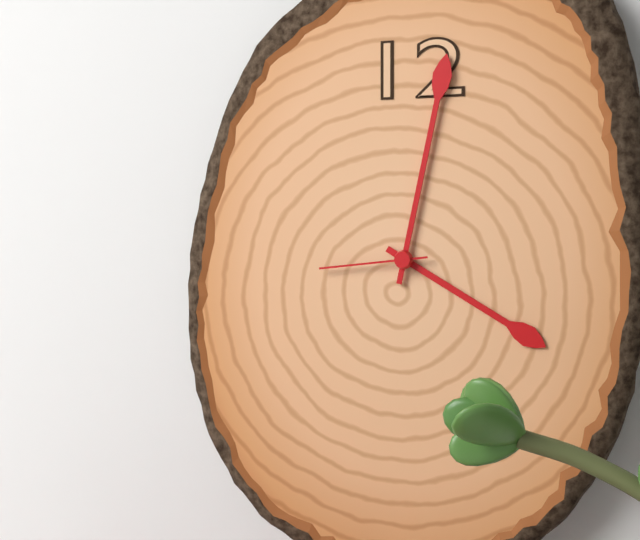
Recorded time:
4 h 02 min 44 s
